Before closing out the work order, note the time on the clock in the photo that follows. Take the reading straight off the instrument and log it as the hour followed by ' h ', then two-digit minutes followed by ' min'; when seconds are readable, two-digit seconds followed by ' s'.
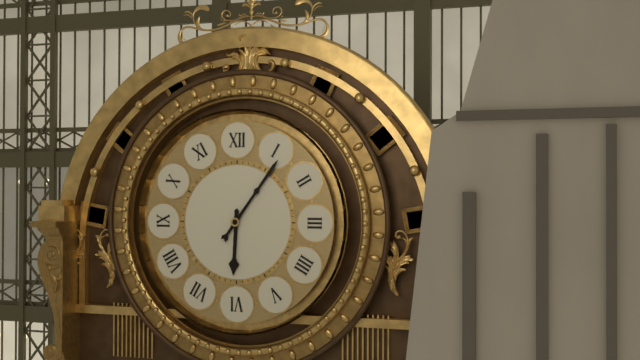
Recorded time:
6 h 06 min
